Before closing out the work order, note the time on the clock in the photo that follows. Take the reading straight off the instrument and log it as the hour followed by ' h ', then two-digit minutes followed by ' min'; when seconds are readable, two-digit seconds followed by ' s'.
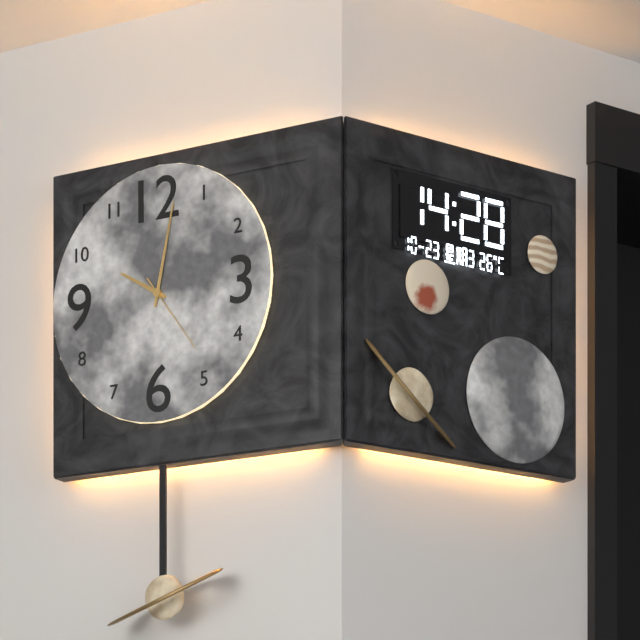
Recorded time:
10 h 02 min 24 s
